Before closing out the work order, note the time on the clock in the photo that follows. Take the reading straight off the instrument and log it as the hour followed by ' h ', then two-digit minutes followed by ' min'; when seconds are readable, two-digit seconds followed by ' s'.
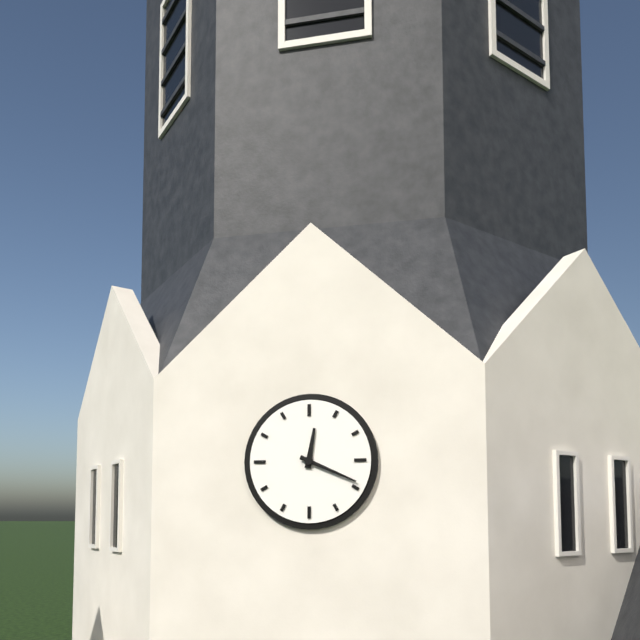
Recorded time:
12 h 19 min
